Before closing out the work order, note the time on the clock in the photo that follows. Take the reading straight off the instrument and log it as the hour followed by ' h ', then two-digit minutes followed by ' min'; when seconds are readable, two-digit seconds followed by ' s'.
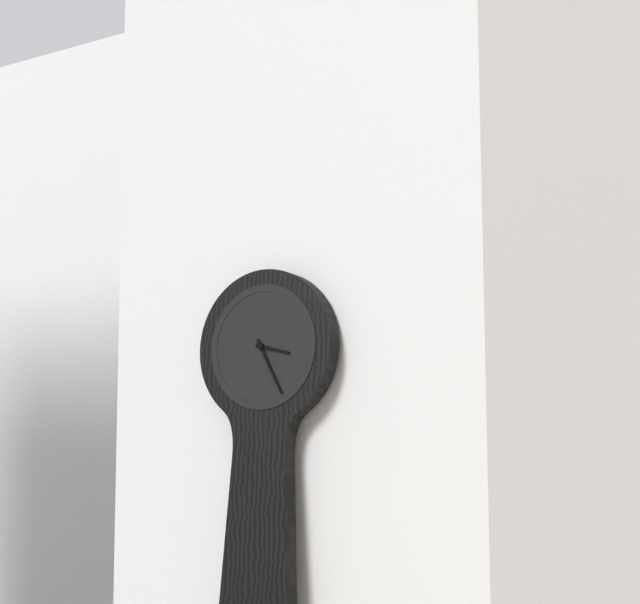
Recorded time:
3 h 25 min
